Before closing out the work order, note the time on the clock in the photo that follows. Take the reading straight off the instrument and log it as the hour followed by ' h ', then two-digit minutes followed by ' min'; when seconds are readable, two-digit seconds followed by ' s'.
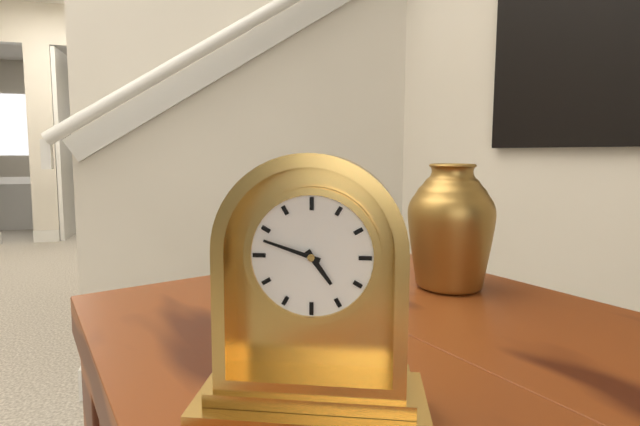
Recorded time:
4 h 48 min
